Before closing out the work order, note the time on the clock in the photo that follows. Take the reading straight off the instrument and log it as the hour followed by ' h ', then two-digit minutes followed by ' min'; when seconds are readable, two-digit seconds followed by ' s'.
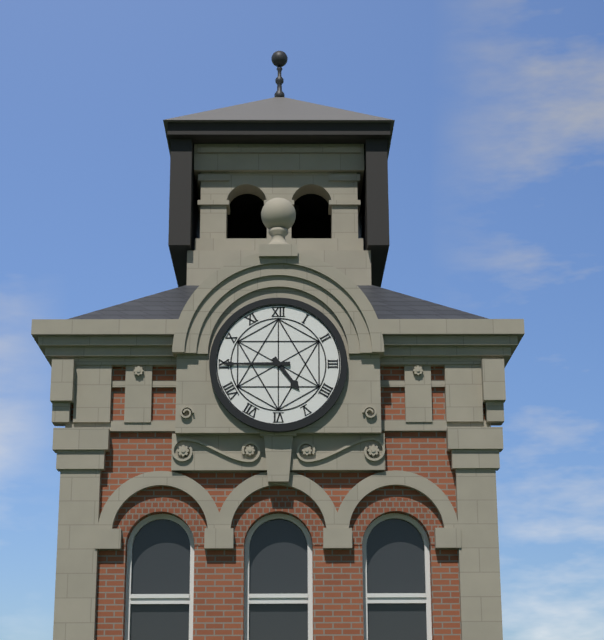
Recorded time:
4 h 45 min
